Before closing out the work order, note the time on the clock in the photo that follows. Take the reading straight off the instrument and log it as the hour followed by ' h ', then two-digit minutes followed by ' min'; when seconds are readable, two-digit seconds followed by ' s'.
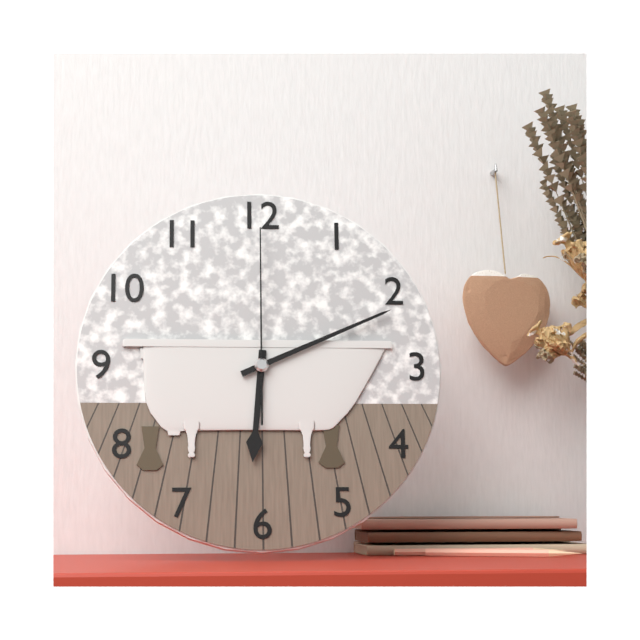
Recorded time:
6 h 11 min 00 s
